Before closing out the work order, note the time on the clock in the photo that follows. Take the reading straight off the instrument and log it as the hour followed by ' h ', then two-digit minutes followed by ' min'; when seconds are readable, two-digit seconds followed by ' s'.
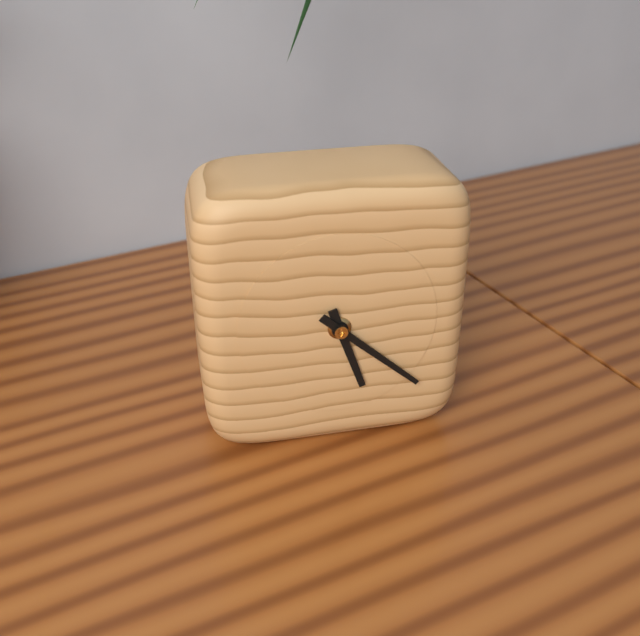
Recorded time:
5 h 22 min
